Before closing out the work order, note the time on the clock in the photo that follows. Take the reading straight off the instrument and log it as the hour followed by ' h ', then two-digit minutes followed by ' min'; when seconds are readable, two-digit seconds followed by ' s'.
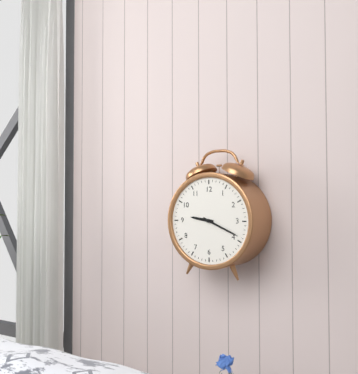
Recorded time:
9 h 19 min
